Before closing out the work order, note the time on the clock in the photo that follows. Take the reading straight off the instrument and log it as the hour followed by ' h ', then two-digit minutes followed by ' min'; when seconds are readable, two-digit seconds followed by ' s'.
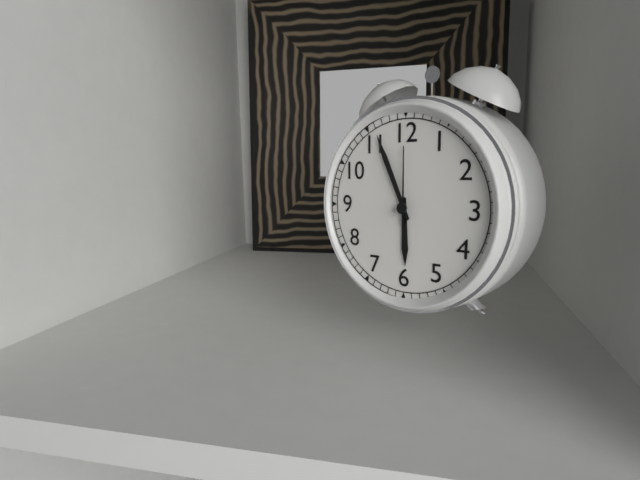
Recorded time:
5 h 56 min 00 s
